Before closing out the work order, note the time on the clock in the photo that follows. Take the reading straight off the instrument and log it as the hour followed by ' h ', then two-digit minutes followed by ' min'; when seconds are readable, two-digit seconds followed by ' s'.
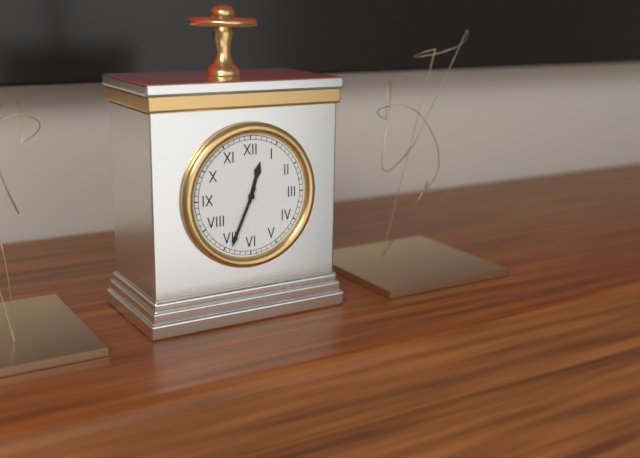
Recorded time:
12 h 34 min
